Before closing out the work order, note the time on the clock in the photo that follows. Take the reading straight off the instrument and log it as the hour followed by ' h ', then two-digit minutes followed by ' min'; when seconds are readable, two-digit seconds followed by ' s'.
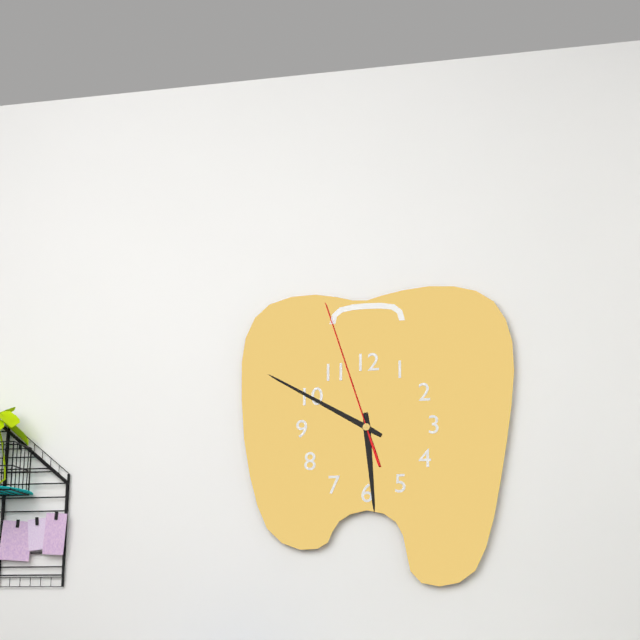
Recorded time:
5 h 50 min 57 s
